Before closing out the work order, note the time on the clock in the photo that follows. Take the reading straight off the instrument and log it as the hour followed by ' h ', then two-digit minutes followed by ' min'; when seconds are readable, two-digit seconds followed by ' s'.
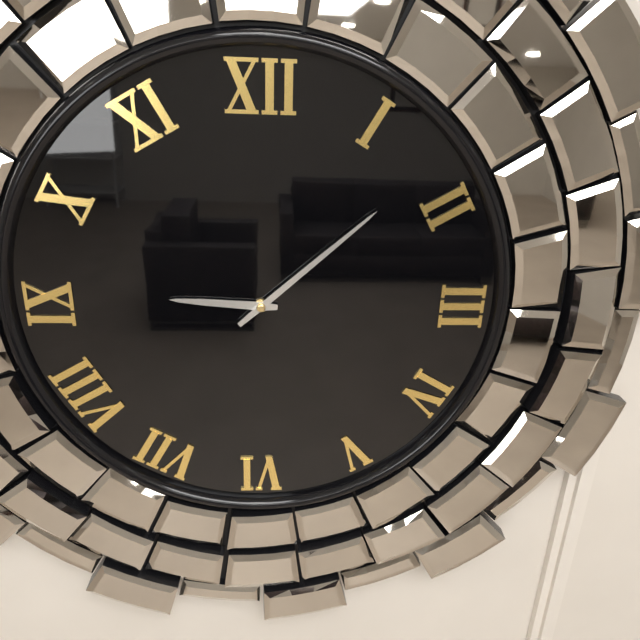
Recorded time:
9 h 08 min
